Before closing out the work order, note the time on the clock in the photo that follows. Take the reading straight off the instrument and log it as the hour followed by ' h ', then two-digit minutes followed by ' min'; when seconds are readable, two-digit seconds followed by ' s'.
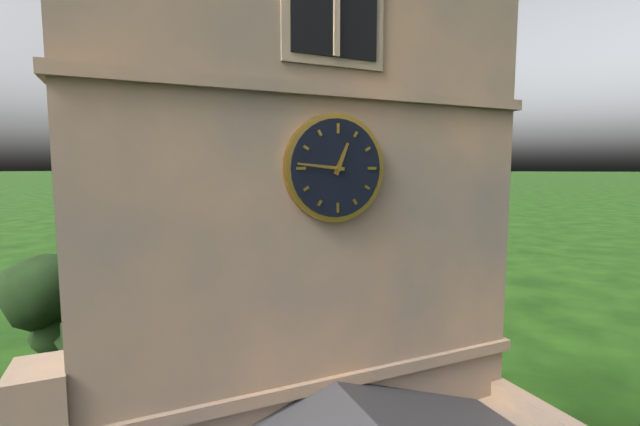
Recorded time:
12 h 46 min
